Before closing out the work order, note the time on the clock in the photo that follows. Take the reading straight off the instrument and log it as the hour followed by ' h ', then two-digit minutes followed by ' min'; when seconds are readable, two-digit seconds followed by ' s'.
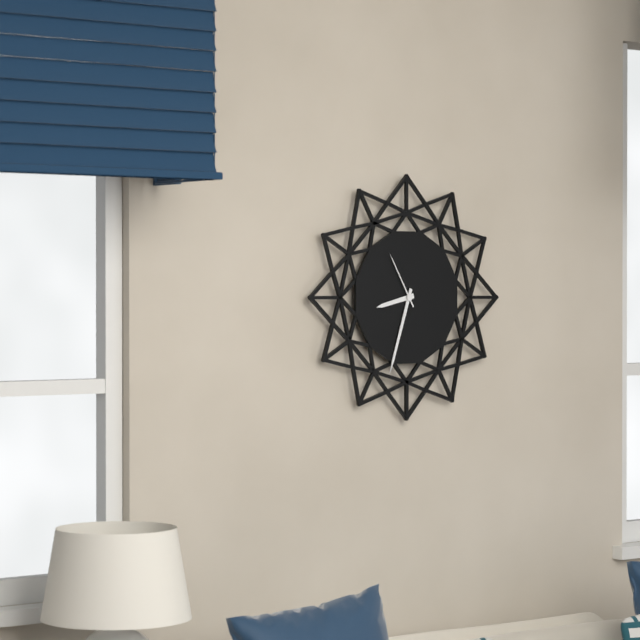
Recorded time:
8 h 33 min 55 s
